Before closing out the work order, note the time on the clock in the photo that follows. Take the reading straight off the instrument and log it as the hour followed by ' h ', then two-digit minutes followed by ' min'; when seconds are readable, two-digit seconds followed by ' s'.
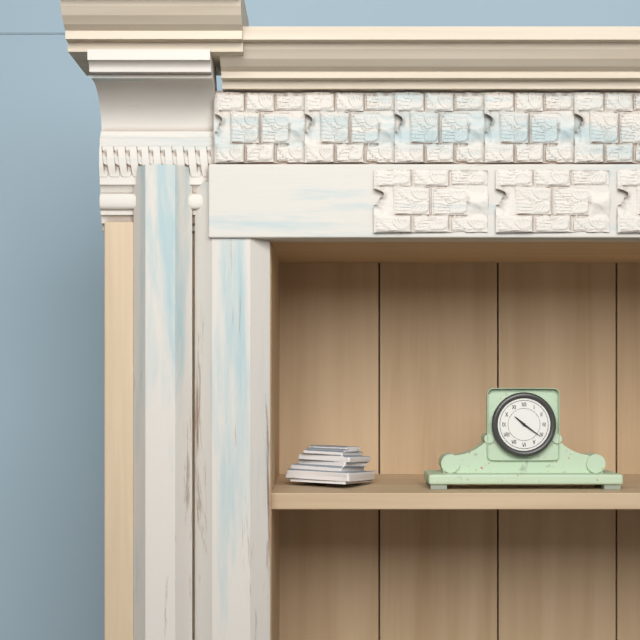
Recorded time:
10 h 21 min
